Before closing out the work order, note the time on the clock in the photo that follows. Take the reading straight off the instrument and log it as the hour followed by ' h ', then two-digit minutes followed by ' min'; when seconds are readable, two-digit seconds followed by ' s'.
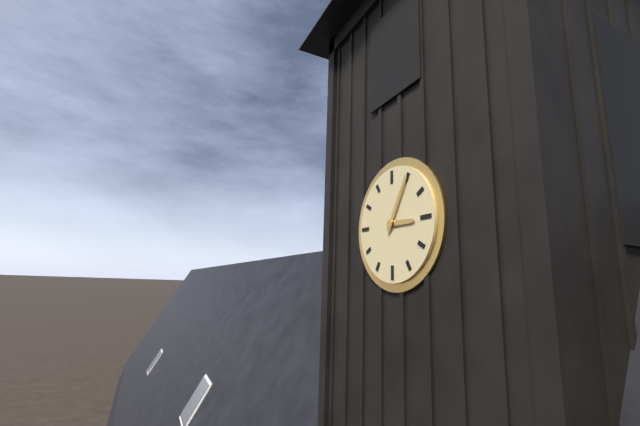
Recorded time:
3 h 05 min
